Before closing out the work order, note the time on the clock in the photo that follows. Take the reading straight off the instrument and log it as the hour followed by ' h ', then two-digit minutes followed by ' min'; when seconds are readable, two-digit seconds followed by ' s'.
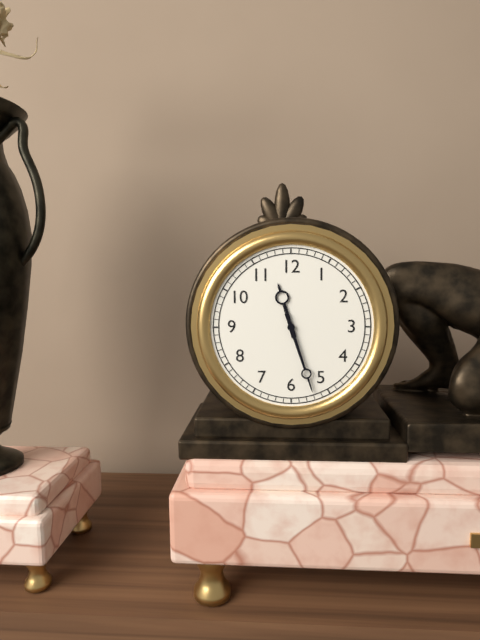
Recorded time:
11 h 27 min
